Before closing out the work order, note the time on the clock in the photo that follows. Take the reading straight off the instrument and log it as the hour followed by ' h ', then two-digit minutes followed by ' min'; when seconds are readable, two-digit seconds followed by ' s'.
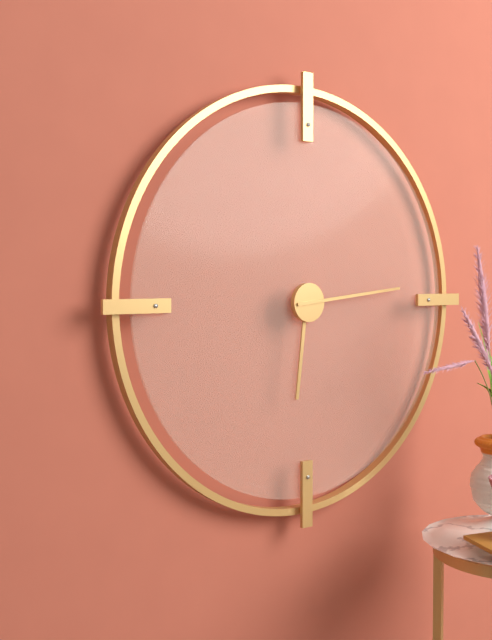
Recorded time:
6 h 14 min
